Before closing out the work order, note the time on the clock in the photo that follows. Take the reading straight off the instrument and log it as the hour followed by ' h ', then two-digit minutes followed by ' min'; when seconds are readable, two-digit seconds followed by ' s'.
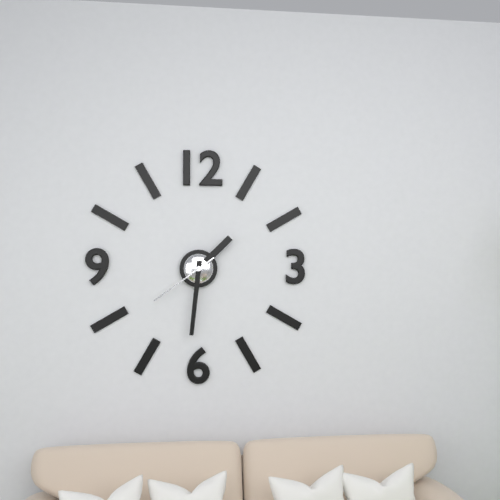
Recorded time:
1 h 31 min 39 s
